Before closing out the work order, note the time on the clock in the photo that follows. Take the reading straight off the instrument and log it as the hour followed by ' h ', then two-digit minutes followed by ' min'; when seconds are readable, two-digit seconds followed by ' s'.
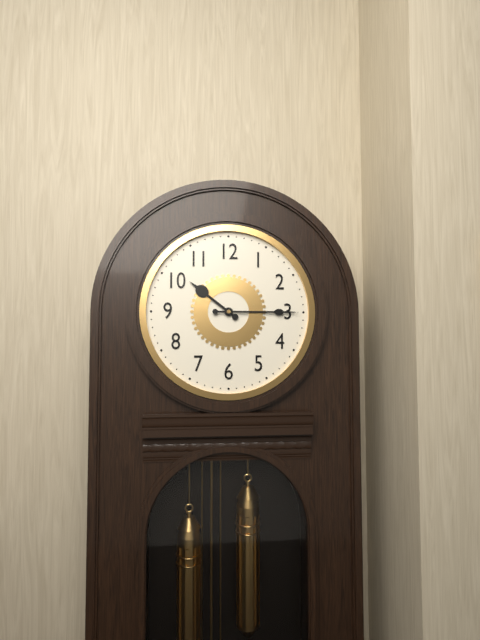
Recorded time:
10 h 15 min
